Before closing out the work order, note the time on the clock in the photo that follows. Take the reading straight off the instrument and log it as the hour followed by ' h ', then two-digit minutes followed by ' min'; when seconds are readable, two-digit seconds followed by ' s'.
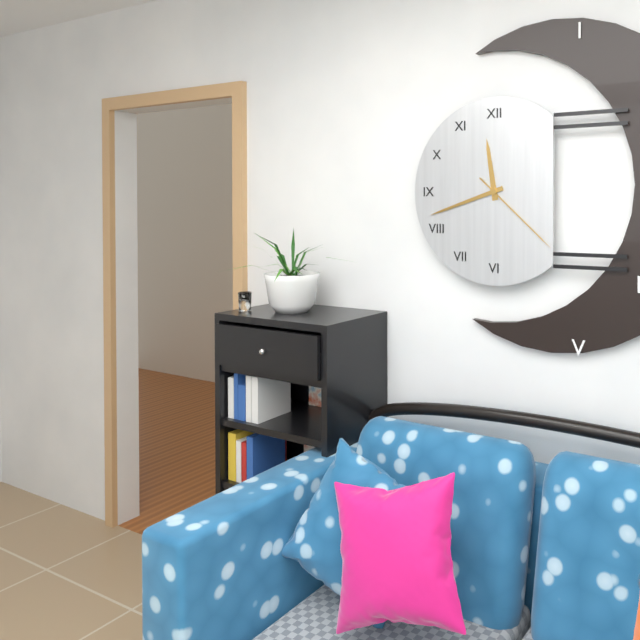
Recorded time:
11 h 42 min 22 s
